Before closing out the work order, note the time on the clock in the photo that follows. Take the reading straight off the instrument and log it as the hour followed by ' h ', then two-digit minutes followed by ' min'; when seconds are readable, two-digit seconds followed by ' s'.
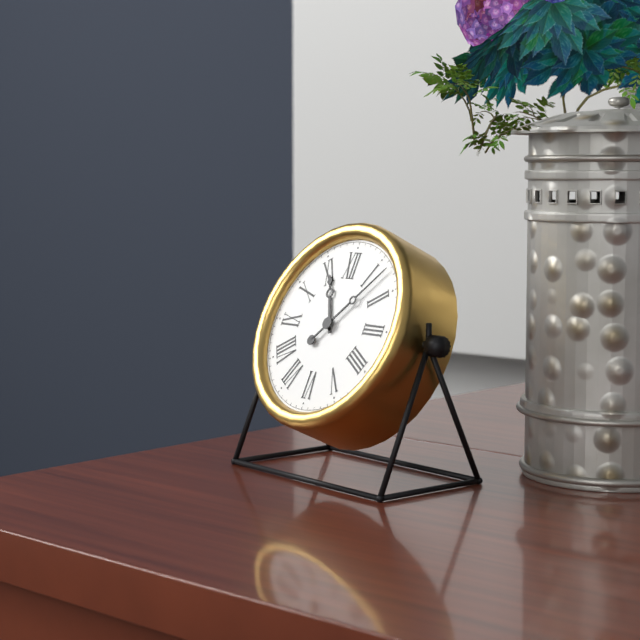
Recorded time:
11 h 07 min
